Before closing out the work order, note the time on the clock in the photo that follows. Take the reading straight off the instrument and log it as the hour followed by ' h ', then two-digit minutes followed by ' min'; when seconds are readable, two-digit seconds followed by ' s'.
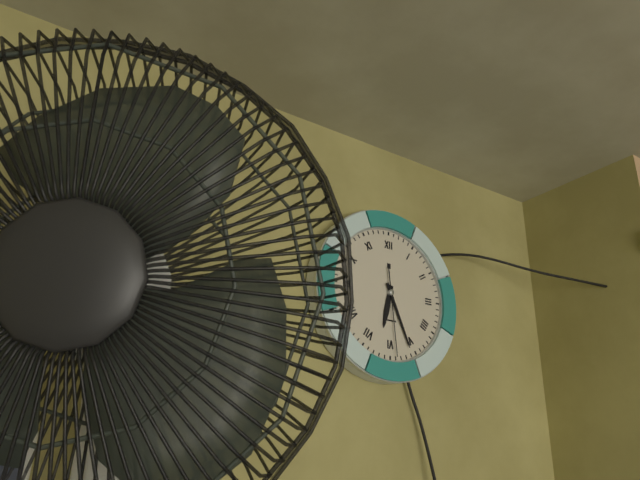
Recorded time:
6 h 26 min 29 s
